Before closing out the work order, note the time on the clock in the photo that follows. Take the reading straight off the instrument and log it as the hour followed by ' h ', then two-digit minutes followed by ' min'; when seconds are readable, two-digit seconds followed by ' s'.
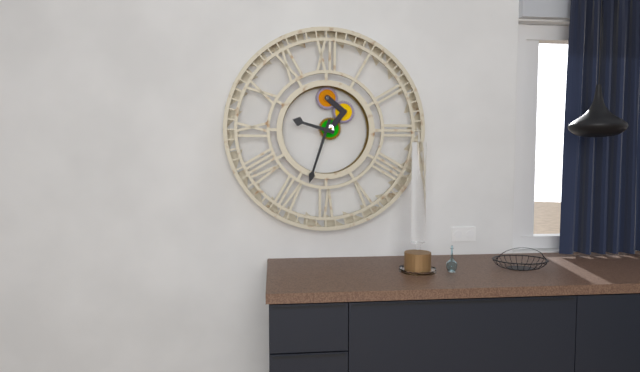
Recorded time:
9 h 33 min
